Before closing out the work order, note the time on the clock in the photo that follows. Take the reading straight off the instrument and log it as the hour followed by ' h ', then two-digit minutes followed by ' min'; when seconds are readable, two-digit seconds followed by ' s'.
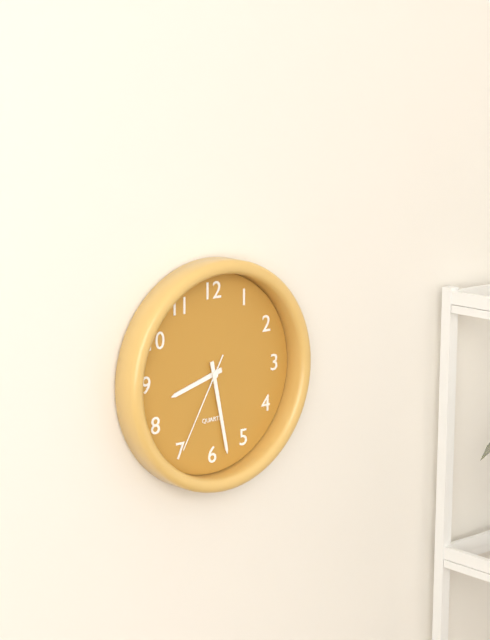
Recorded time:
8 h 28 min 35 s
